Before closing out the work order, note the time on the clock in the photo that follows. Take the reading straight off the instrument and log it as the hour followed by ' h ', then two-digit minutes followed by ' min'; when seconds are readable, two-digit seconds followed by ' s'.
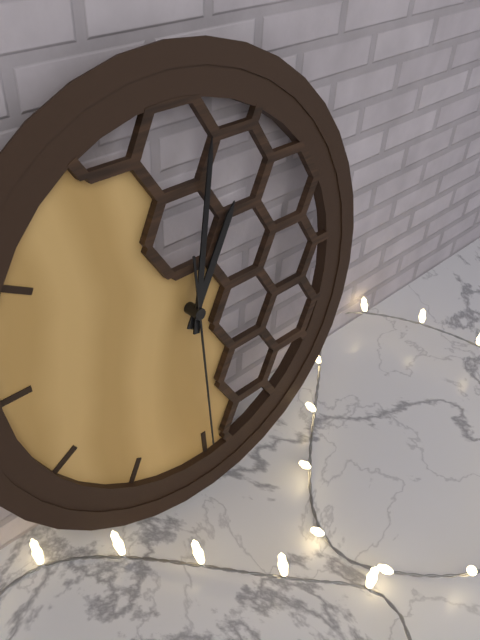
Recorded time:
1 h 02 min 30 s
